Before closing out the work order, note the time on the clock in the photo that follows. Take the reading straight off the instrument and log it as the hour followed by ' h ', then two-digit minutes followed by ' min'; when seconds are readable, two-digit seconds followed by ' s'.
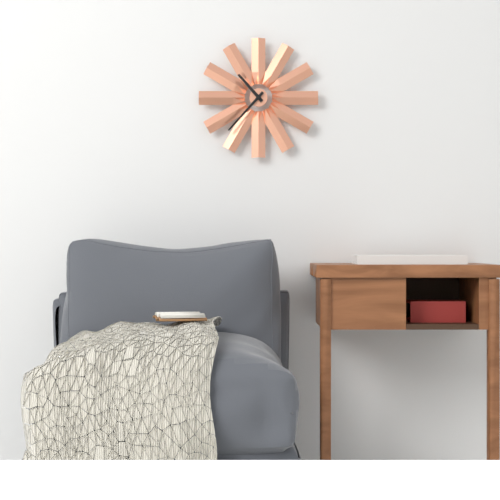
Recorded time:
10 h 37 min
